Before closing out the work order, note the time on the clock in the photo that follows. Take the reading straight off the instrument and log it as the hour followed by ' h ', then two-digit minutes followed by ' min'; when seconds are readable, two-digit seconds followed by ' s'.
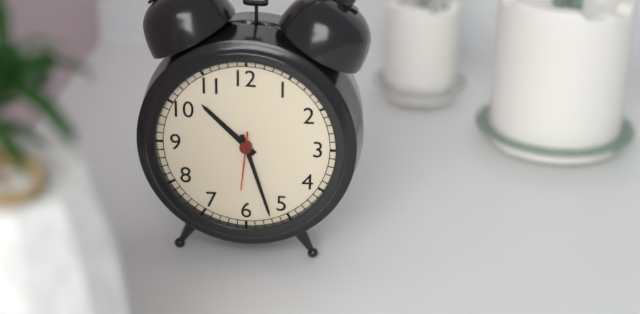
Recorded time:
10 h 27 min 31 s
